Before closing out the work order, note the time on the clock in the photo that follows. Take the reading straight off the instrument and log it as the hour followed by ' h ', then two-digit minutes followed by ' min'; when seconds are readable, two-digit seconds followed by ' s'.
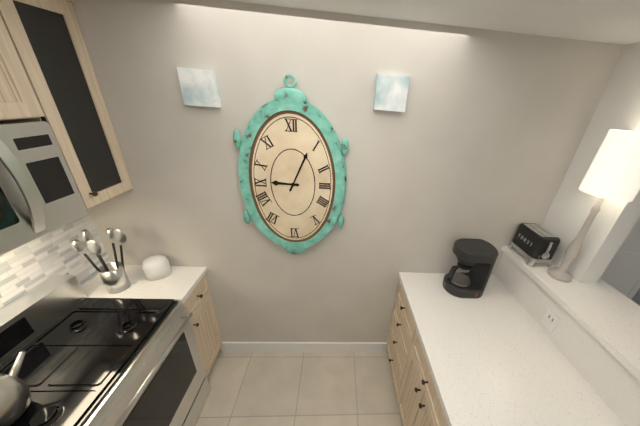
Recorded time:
9 h 04 min
